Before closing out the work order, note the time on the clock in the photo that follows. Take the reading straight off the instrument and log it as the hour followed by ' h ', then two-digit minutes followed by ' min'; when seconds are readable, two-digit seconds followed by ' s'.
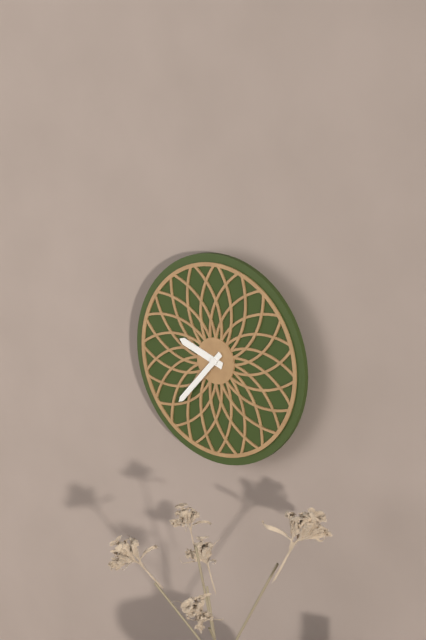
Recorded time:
9 h 37 min
